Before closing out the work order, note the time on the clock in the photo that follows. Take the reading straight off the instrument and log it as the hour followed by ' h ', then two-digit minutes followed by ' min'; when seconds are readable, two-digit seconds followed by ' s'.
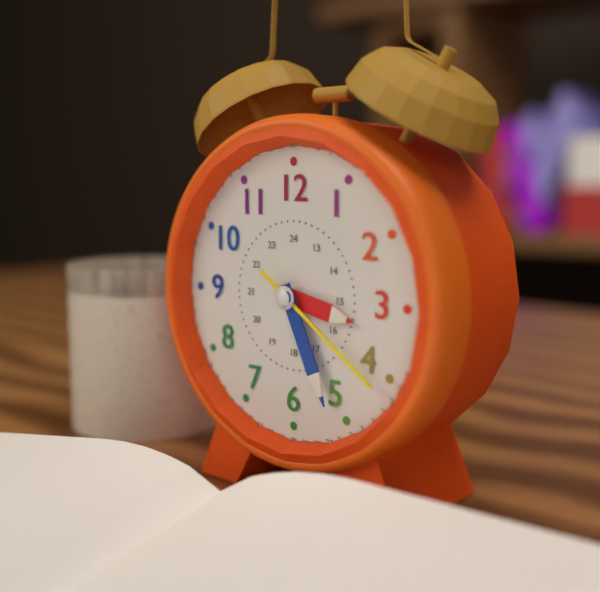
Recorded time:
3 h 26 min 21 s
